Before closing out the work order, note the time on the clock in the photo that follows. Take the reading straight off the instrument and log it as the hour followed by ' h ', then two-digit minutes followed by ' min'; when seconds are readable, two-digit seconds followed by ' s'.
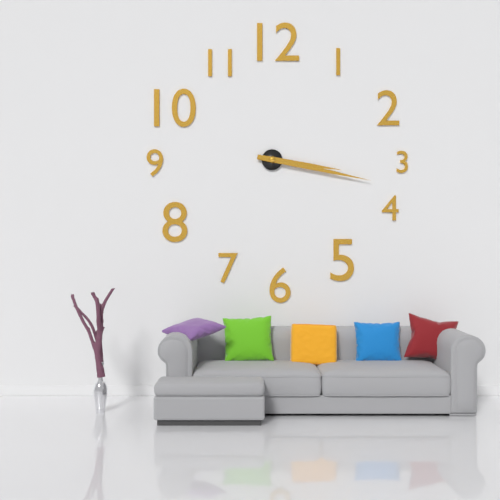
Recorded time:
3 h 17 min
